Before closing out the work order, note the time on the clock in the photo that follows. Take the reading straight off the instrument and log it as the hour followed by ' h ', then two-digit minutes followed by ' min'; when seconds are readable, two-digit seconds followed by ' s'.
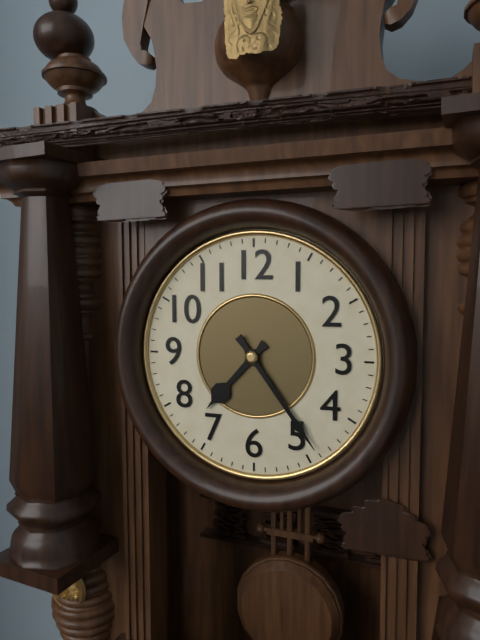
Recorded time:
7 h 24 min
